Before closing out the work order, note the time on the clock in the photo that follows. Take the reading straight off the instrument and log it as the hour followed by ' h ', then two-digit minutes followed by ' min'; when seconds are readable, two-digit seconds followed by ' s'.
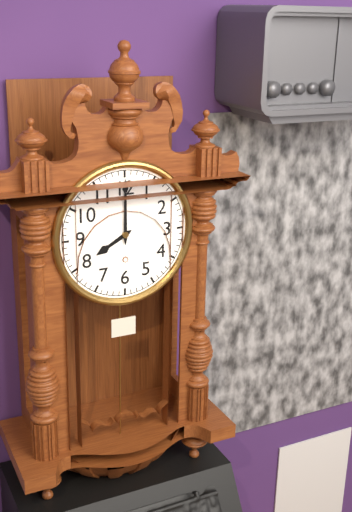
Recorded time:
8 h 00 min
